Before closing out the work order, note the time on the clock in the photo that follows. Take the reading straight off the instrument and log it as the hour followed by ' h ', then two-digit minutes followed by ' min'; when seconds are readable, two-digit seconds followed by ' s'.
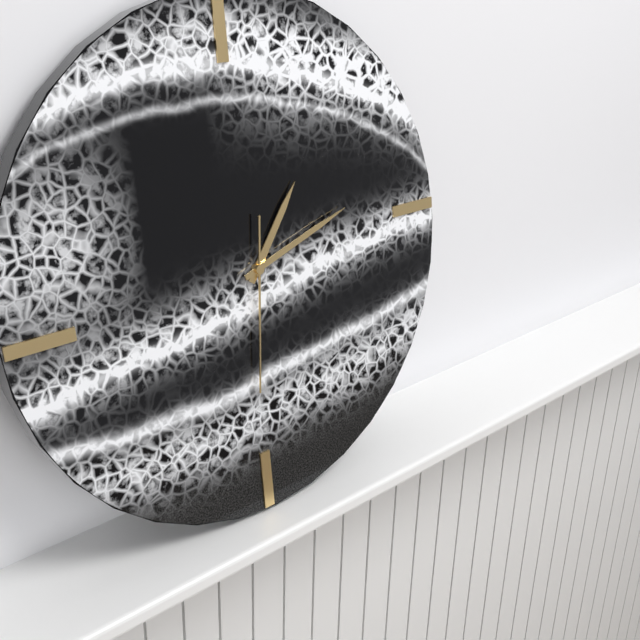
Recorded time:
1 h 12 min 31 s
